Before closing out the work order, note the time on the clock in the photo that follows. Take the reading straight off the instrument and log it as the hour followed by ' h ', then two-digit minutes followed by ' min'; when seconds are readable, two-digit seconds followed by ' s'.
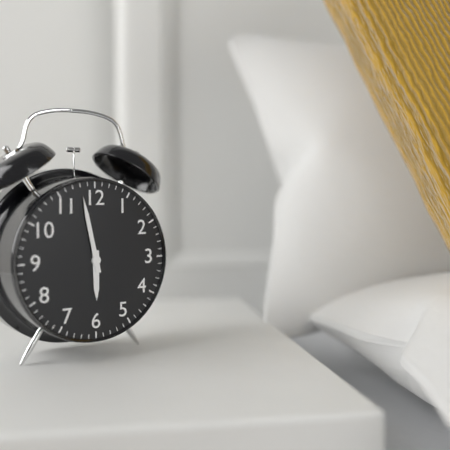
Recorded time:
5 h 58 min
